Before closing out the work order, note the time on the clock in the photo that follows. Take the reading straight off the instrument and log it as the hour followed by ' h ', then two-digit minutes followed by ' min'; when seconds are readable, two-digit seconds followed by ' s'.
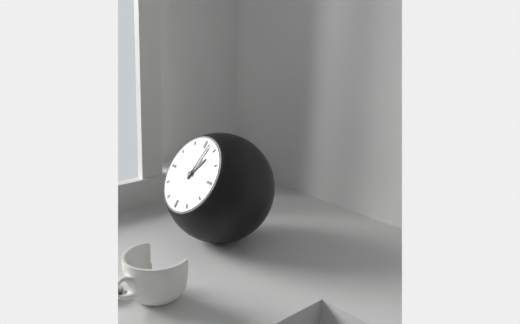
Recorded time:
1 h 02 min
